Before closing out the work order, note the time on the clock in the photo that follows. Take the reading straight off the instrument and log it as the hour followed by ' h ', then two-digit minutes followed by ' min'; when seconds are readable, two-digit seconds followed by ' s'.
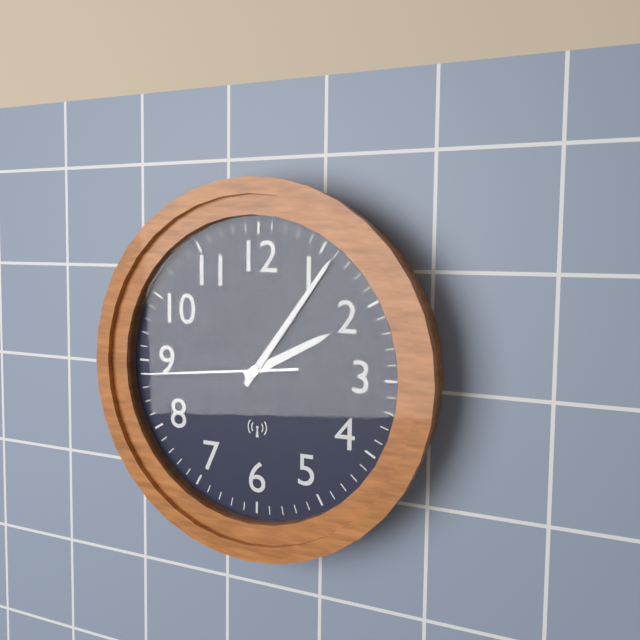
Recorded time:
2 h 06 min 44 s
